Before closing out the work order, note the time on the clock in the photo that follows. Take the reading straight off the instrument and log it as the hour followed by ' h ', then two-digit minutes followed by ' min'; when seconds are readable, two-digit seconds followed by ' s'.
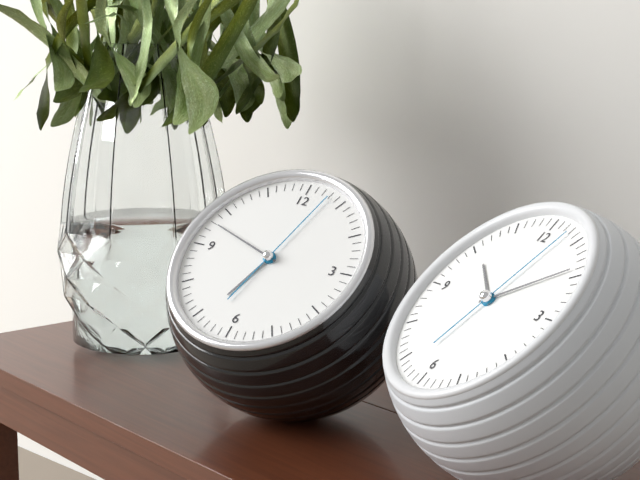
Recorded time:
6 h 48 min 03 s
